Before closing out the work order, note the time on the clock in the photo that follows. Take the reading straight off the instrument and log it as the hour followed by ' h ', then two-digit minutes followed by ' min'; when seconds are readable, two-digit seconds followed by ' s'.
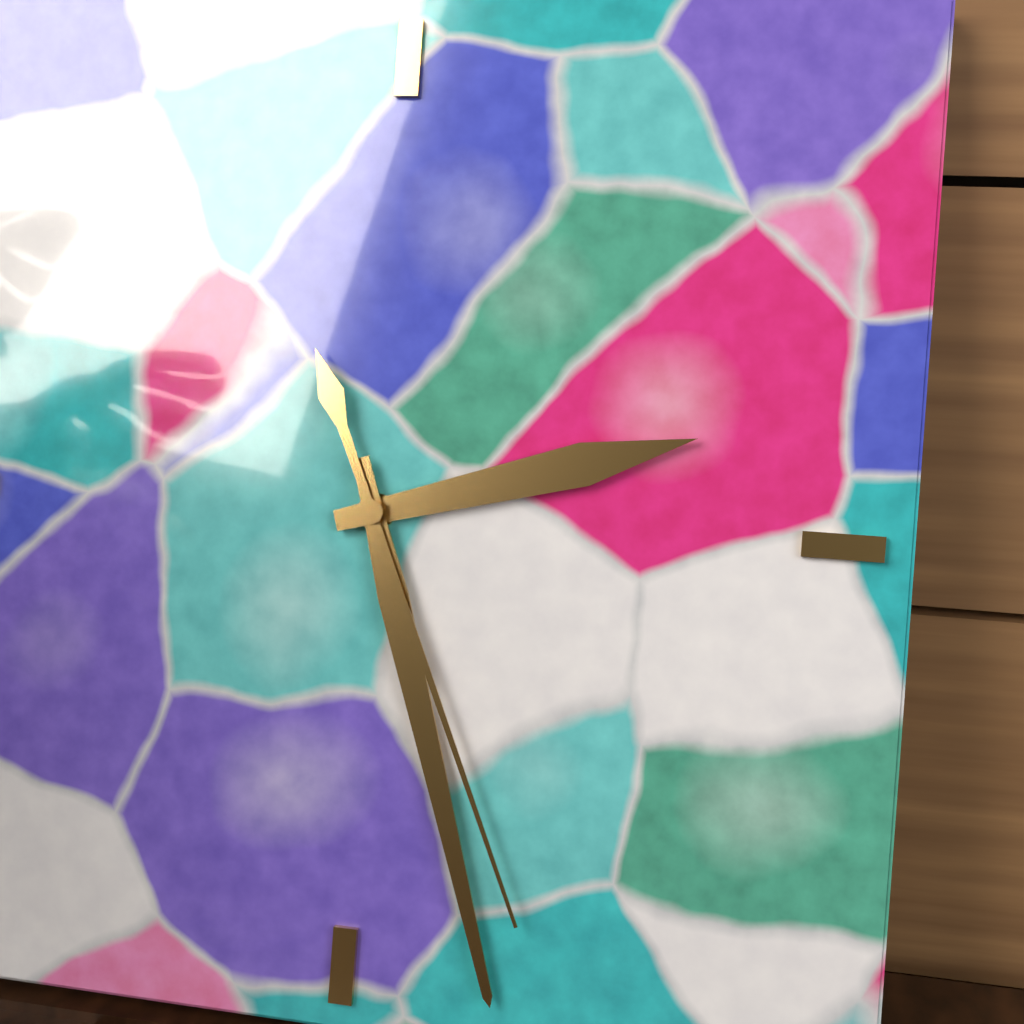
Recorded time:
2 h 27 min 26 s
